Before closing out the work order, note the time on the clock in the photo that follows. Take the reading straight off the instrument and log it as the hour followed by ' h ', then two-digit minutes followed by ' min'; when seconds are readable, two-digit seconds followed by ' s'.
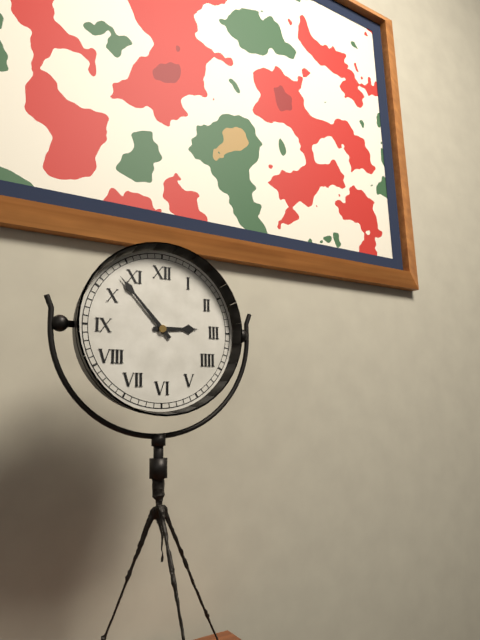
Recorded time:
2 h 53 min
